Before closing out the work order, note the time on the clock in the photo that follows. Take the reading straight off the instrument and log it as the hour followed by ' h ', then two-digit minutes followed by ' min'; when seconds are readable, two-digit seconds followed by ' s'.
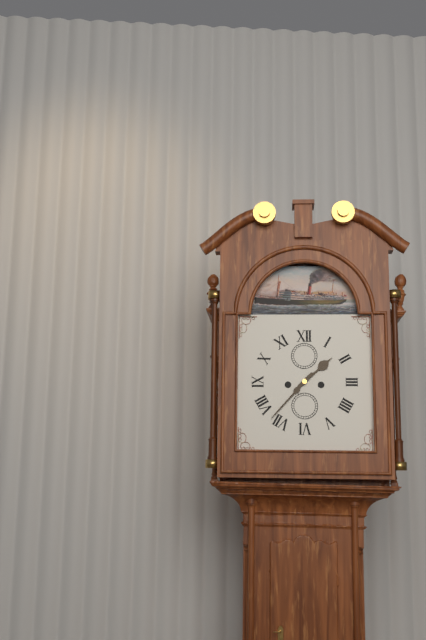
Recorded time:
1 h 37 min
